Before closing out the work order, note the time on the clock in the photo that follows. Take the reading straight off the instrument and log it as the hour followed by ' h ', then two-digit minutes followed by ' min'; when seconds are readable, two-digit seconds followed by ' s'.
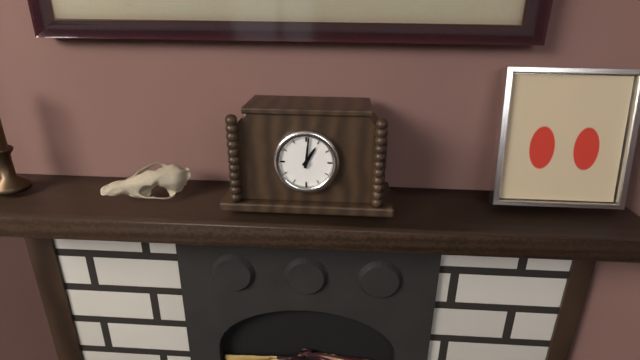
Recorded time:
1 h 01 min
